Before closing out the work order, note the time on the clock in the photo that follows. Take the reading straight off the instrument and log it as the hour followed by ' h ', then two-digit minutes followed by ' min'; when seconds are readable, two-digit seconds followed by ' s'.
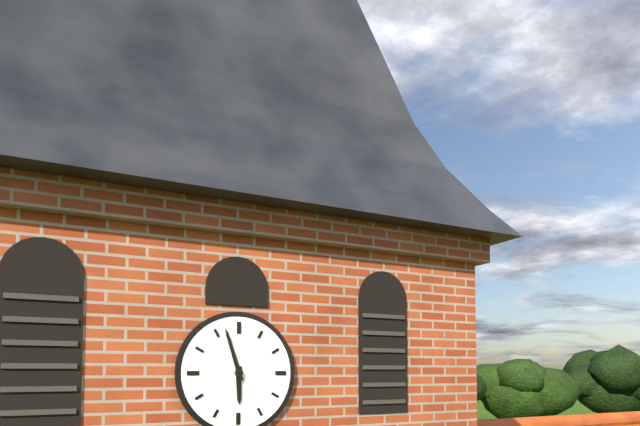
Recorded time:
5 h 57 min
